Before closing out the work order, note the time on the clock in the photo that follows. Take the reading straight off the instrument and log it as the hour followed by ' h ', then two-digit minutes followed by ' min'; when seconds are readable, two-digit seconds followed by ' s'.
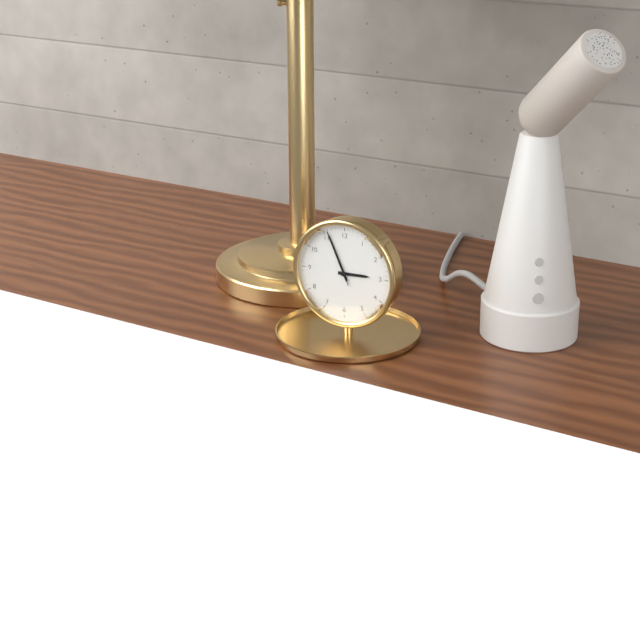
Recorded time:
2 h 56 min 56 s
